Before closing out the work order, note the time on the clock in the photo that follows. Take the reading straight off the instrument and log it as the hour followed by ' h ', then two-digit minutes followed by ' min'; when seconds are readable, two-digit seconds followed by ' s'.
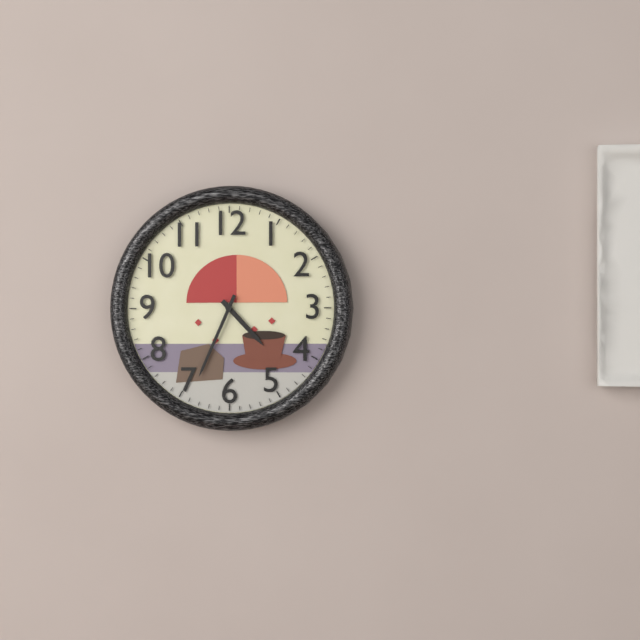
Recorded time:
4 h 34 min
